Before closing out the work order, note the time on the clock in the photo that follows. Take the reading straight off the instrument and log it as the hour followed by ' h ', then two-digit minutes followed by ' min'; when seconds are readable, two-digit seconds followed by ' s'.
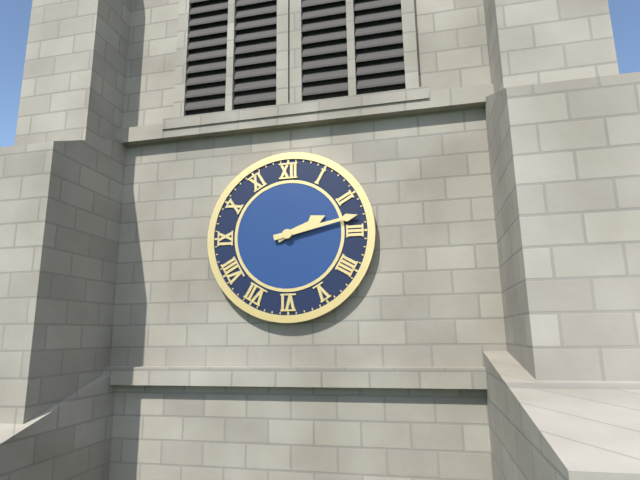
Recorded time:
2 h 13 min
